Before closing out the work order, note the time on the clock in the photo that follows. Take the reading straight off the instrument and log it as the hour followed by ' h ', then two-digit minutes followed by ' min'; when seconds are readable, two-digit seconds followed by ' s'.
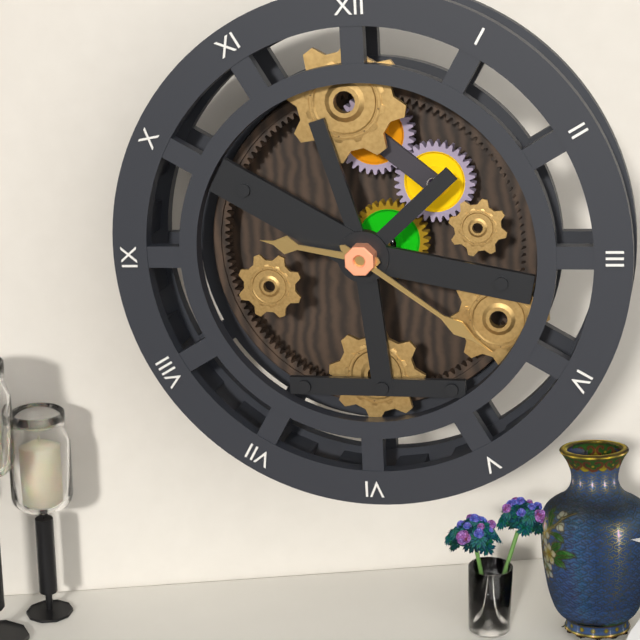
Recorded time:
9 h 21 min
